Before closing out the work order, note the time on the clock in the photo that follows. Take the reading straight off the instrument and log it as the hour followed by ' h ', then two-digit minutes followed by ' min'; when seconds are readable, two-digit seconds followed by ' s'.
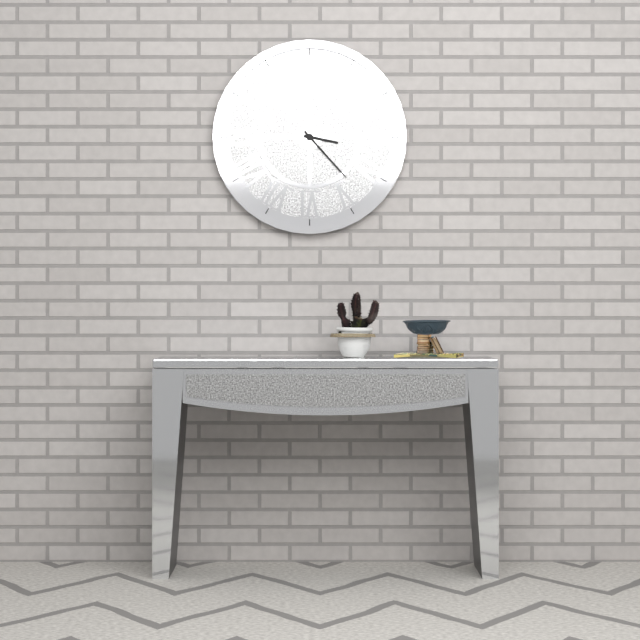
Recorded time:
3 h 23 min
